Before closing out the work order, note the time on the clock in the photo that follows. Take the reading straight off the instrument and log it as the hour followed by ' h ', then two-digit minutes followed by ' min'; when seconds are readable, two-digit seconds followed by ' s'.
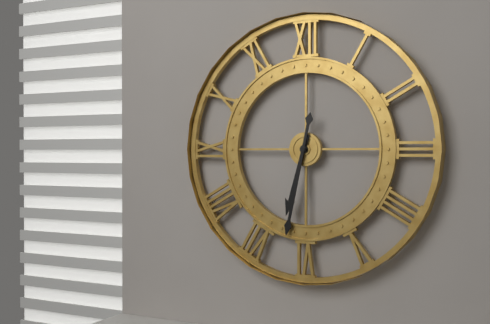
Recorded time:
6 h 32 min
